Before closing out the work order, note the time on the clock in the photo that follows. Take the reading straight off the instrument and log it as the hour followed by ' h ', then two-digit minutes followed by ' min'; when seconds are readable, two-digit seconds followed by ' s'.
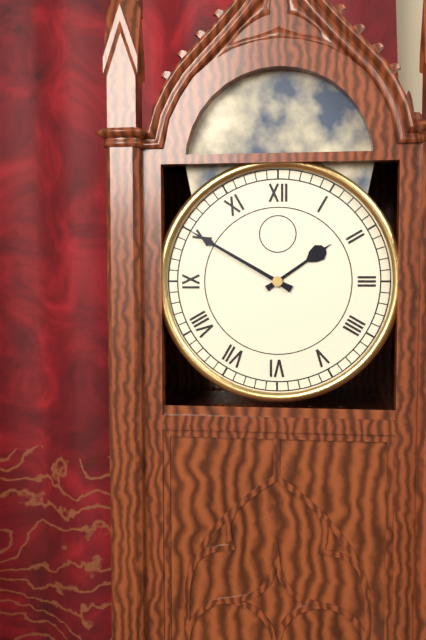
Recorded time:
1 h 50 min
